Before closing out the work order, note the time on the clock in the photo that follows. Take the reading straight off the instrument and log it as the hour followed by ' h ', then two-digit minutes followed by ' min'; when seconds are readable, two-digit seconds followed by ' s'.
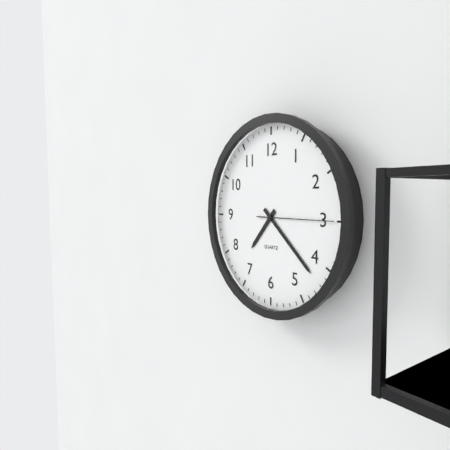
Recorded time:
7 h 22 min 15 s
